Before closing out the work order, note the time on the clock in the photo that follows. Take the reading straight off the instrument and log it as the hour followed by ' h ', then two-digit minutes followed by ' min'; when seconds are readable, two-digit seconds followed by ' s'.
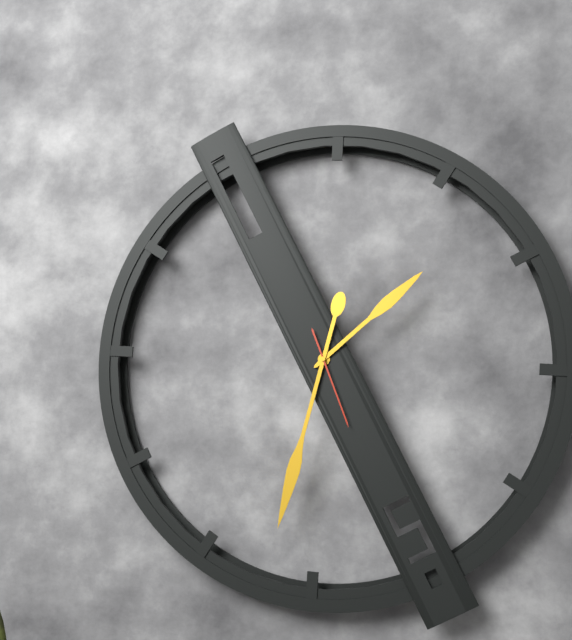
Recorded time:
1 h 32 min 26 s
